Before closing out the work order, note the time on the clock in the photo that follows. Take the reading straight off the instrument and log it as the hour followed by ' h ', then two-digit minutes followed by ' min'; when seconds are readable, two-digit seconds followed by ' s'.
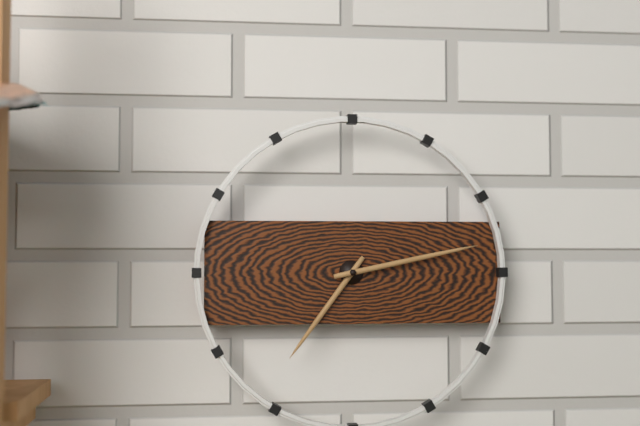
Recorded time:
7 h 13 min
